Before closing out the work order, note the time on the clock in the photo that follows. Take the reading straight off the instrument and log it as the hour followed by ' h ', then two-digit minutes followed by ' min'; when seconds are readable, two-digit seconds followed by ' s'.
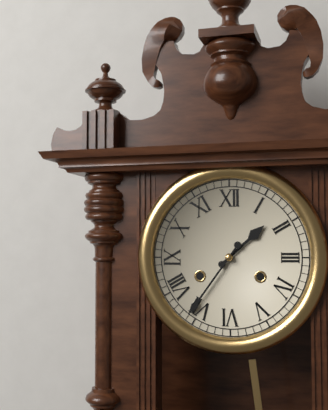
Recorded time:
1 h 36 min
